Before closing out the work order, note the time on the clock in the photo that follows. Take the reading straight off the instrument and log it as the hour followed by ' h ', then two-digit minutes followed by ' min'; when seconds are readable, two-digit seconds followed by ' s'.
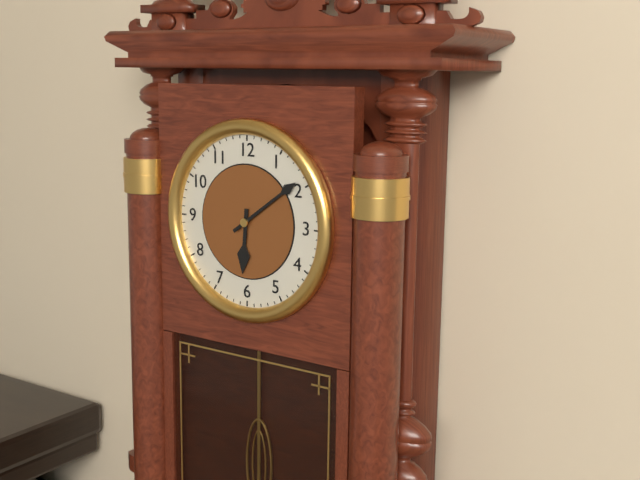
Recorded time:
6 h 09 min
